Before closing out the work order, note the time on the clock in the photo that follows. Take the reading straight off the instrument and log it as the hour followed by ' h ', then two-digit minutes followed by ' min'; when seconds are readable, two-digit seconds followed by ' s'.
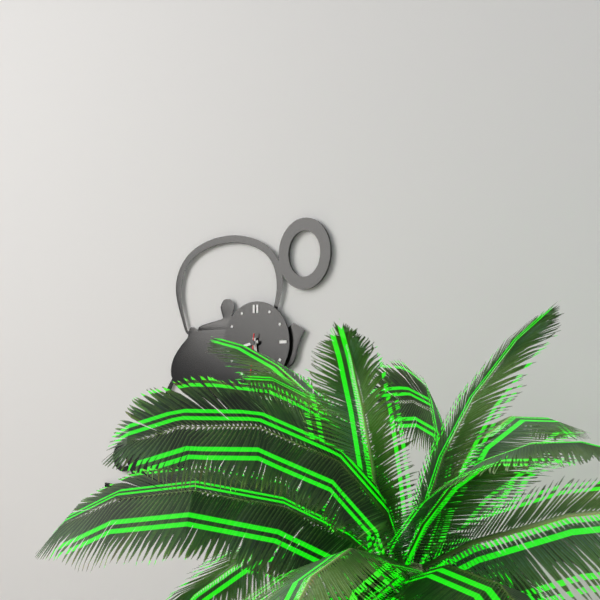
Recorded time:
5 h 43 min
